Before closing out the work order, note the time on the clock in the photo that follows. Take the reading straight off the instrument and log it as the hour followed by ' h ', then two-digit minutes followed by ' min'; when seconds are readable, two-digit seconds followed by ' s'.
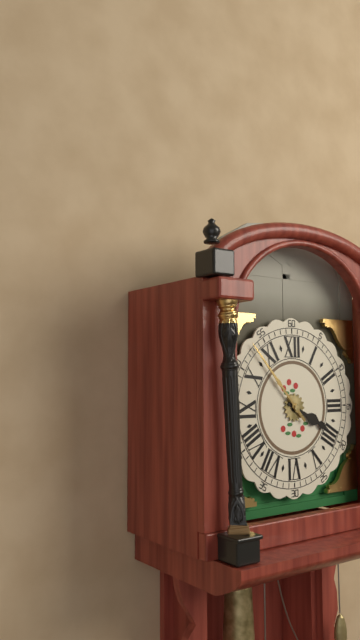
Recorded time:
3 h 53 min
